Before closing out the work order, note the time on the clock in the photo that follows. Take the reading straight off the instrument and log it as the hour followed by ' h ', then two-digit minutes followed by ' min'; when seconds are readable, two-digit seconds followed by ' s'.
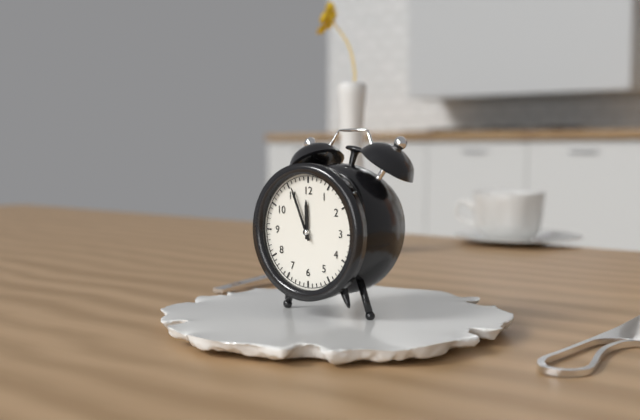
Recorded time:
11 h 56 min
